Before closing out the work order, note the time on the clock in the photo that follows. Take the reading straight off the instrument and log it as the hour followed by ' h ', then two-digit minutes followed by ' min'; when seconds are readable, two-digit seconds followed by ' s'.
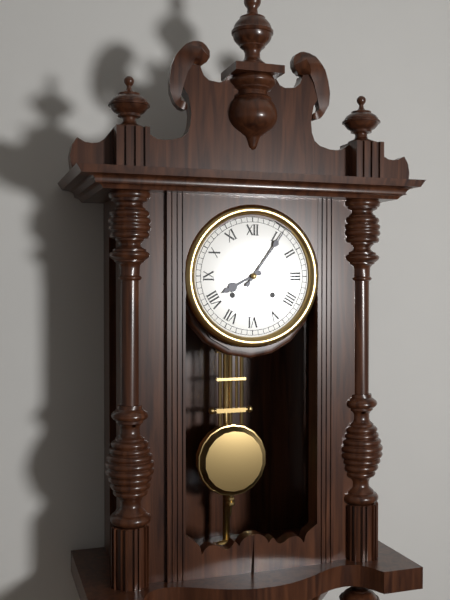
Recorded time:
8 h 06 min
